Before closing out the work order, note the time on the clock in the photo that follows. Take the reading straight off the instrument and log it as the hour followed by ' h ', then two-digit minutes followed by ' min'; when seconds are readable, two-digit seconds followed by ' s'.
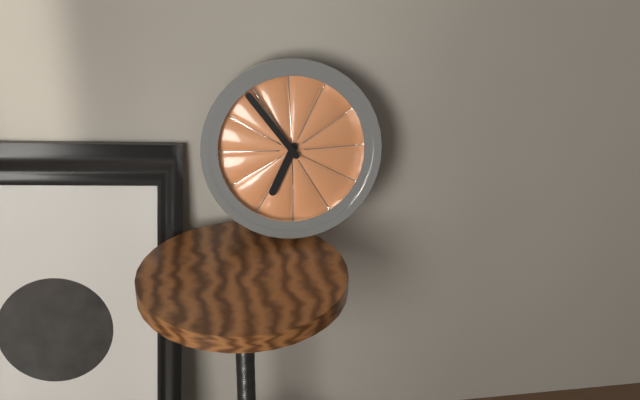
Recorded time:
6 h 54 min
